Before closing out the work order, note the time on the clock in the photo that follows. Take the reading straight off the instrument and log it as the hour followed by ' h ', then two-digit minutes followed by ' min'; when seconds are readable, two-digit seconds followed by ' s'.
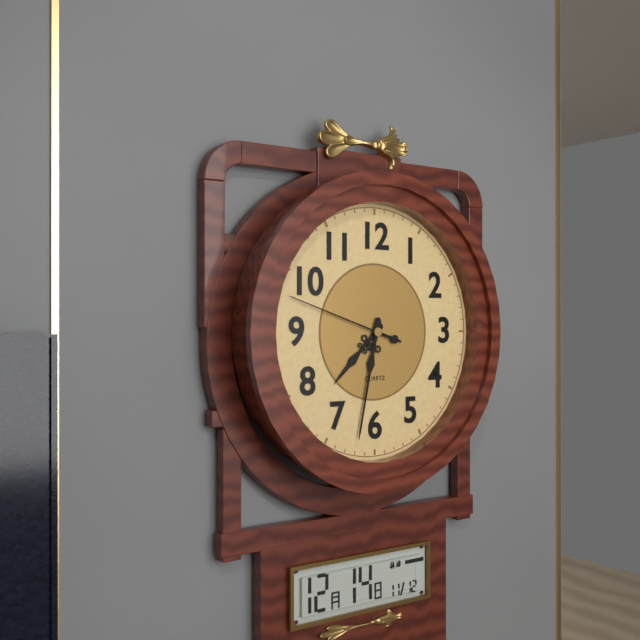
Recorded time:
7 h 32 min 48 s
